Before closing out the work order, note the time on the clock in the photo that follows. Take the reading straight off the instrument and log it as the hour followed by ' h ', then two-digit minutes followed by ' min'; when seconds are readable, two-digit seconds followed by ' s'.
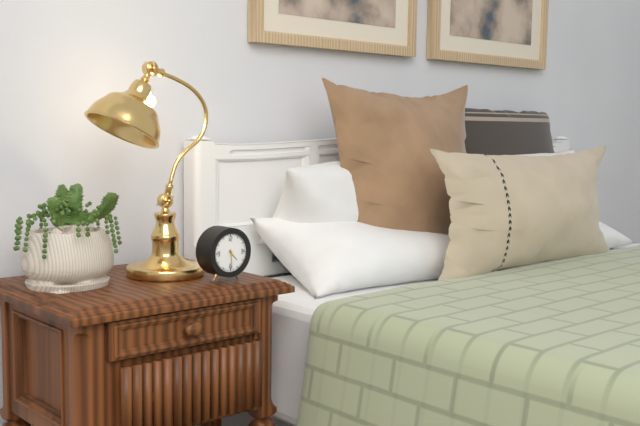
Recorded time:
4 h 29 min
